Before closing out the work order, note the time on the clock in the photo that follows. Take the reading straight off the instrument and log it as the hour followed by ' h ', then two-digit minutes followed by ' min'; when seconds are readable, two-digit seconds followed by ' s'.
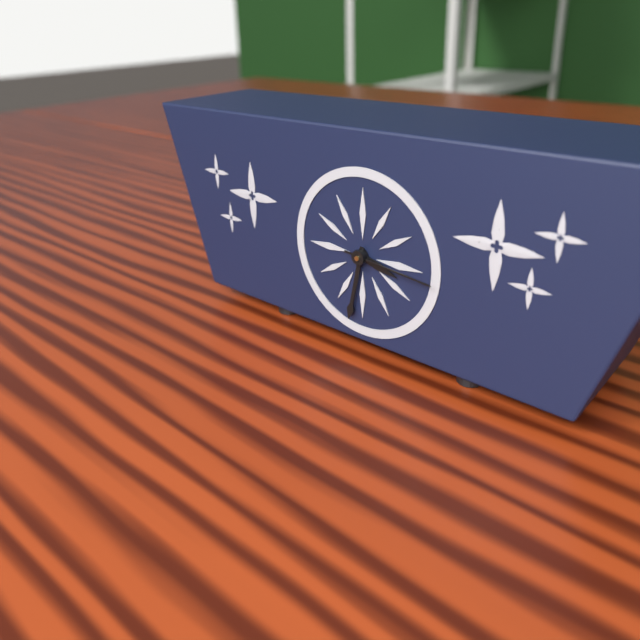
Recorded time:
3 h 32 min 16 s
